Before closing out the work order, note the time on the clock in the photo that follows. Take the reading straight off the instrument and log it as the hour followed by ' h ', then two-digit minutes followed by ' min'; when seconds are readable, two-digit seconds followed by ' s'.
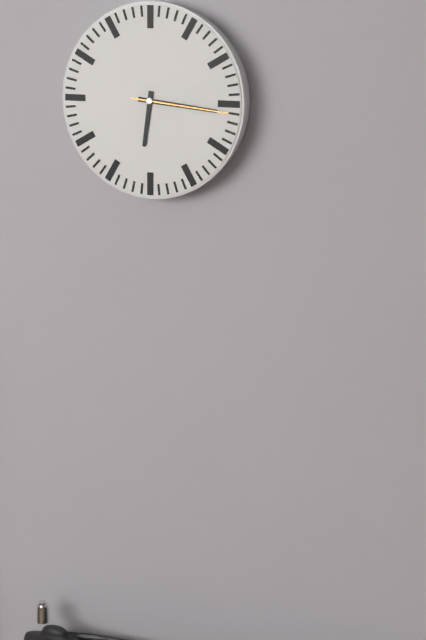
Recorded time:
6 h 16 min 16 s
